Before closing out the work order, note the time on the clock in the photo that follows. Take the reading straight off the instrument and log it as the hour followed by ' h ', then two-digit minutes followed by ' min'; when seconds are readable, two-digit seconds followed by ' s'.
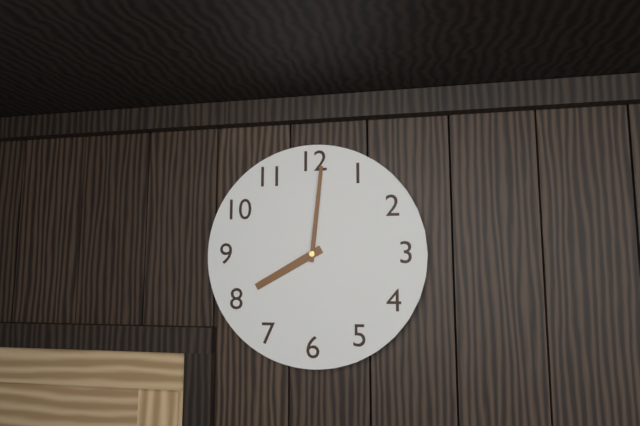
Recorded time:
8 h 01 min
